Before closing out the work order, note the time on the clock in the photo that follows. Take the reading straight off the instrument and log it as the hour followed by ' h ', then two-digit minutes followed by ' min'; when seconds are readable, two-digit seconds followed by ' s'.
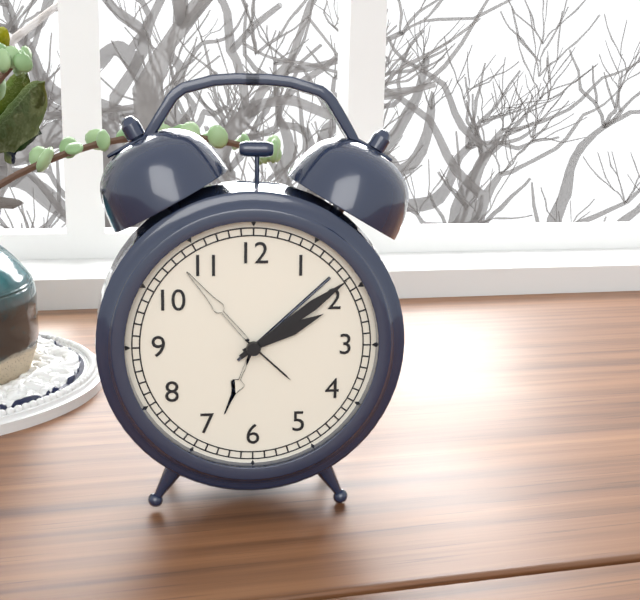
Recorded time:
2 h 09 min
